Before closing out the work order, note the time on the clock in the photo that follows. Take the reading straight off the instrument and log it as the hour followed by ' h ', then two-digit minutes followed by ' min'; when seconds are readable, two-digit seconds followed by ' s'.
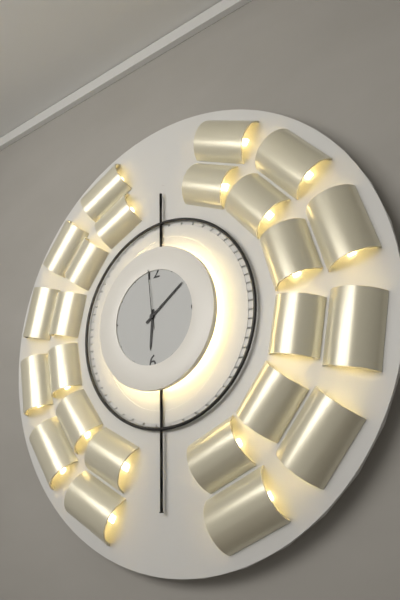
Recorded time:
6 h 09 min 59 s
